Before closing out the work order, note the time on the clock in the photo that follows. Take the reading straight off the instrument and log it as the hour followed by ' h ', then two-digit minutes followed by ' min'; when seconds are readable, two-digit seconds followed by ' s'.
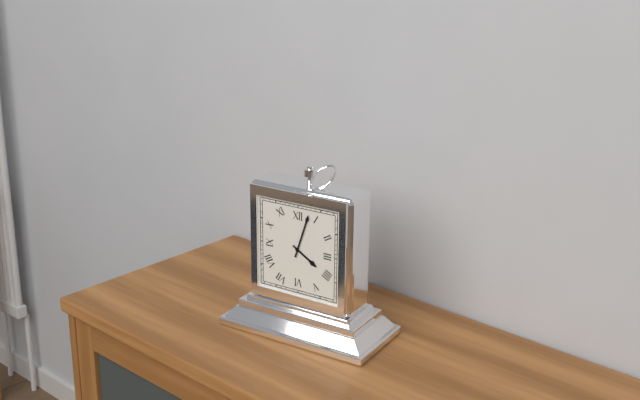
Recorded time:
4 h 03 min
